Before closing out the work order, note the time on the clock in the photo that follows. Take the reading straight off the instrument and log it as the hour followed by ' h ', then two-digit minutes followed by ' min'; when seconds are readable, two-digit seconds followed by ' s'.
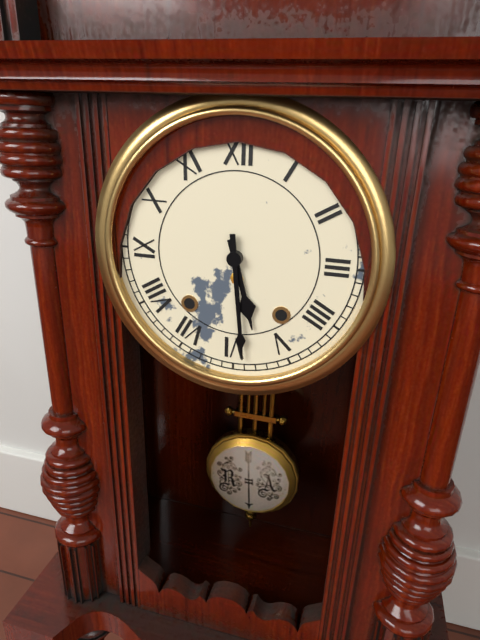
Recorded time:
5 h 29 min
